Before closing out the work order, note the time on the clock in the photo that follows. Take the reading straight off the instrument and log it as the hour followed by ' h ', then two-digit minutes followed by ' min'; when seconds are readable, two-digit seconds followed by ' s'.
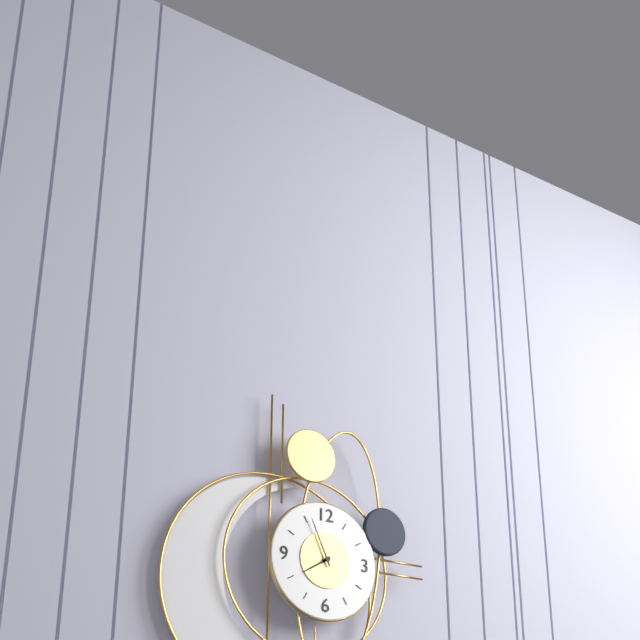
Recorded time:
7 h 56 min
